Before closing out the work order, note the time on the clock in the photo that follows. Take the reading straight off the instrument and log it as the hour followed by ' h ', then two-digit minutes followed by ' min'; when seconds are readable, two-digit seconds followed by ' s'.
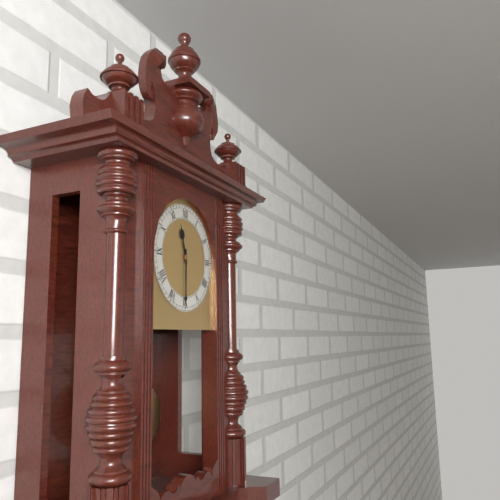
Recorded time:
11 h 30 min
